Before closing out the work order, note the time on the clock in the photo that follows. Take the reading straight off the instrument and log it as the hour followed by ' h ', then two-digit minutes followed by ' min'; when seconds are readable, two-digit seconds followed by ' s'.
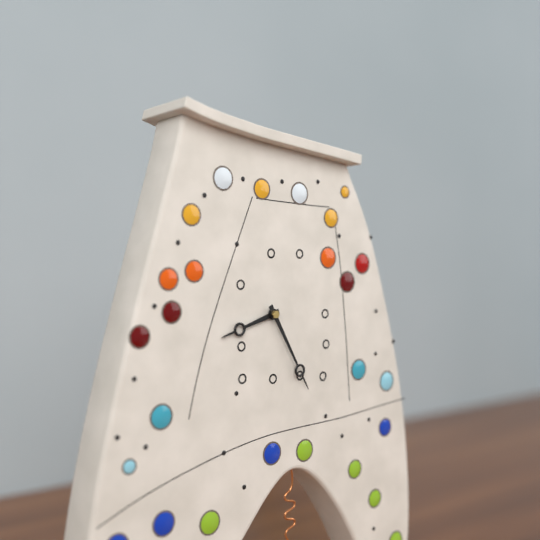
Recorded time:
8 h 25 min
